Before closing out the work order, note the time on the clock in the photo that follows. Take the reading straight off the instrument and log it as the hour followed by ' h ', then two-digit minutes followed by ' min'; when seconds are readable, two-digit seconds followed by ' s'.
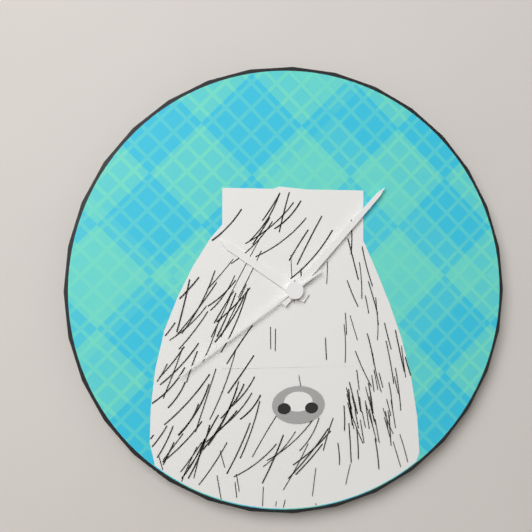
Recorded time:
10 h 07 min 39 s
